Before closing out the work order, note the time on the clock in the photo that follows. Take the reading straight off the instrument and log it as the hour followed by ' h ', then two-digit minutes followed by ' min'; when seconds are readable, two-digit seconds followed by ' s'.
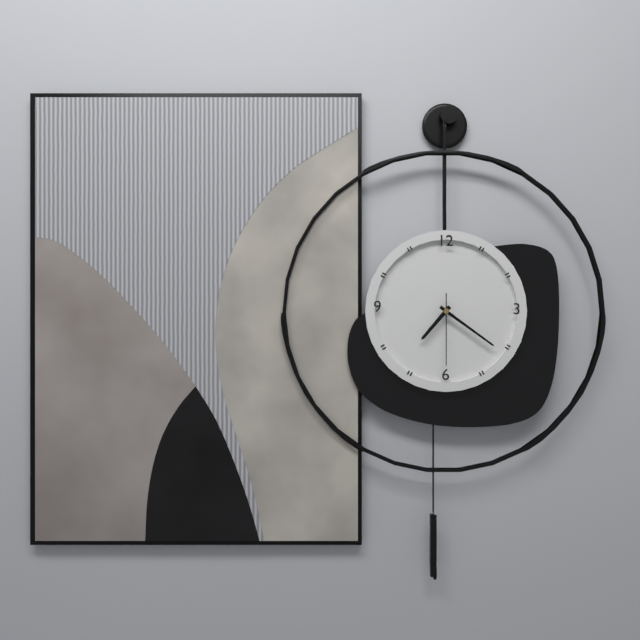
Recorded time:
7 h 21 min 30 s
